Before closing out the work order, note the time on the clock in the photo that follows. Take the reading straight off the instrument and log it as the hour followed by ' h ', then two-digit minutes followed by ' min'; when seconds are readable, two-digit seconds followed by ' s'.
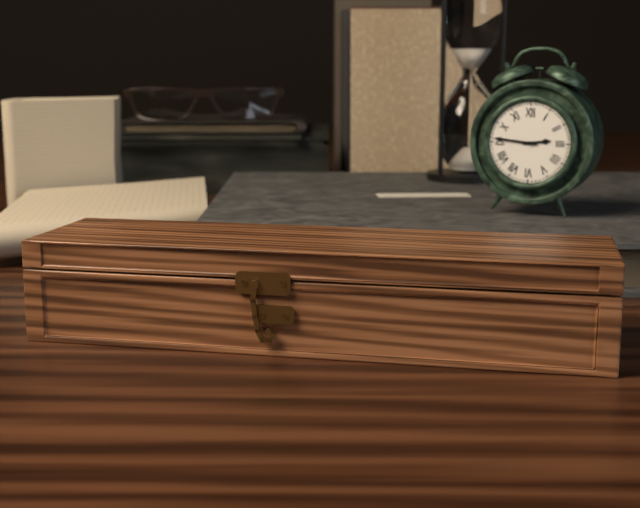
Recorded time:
2 h 46 min
